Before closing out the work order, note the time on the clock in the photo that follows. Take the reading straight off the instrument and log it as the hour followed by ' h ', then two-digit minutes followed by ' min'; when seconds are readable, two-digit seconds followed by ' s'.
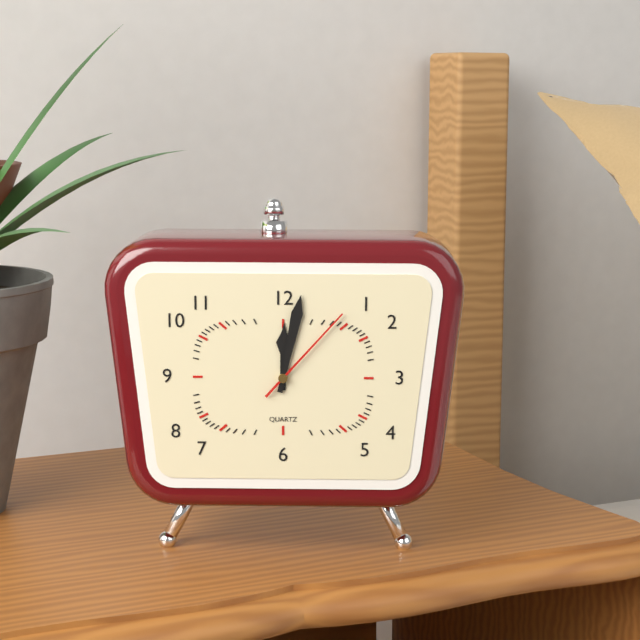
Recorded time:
12 h 02 min 07 s
